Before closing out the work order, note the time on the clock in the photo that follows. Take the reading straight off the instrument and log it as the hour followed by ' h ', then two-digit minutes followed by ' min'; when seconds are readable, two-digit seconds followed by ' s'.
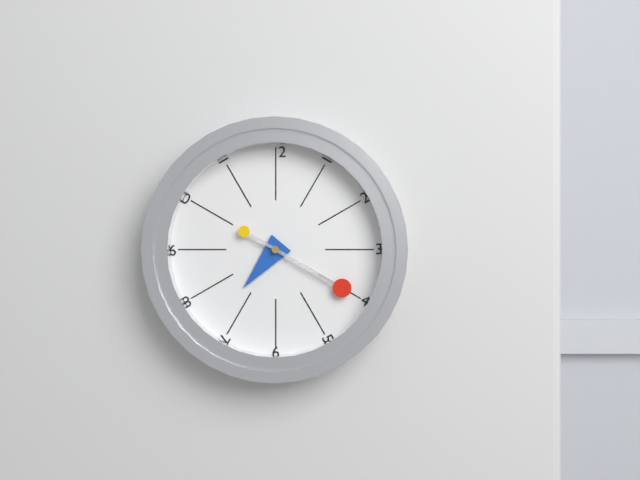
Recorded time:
7 h 20 min
